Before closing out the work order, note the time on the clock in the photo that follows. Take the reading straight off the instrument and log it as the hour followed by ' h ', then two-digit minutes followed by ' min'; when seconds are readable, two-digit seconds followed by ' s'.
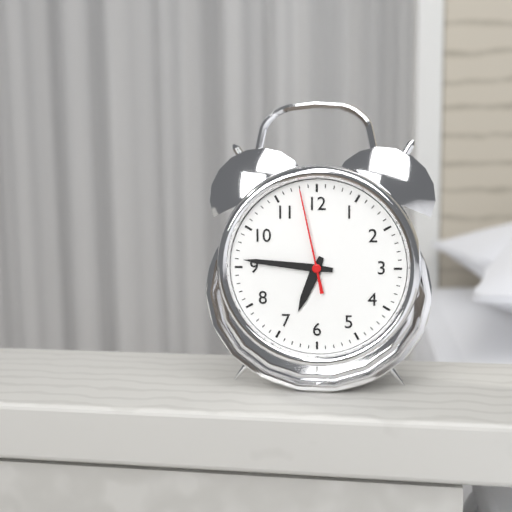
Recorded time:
6 h 46 min 58 s
